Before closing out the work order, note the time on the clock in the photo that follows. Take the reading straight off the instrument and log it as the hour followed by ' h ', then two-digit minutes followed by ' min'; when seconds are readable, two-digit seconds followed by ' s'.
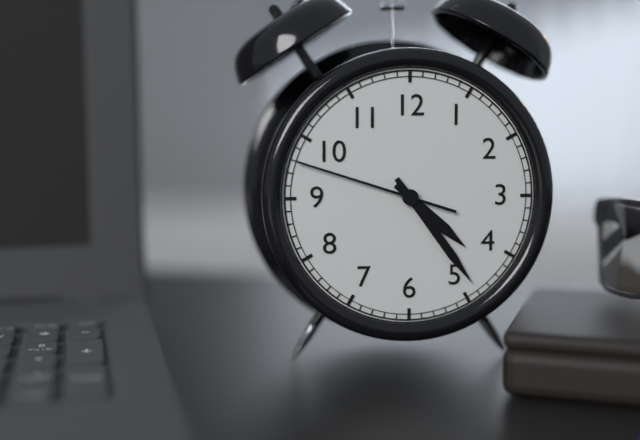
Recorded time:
4 h 24 min 48 s
